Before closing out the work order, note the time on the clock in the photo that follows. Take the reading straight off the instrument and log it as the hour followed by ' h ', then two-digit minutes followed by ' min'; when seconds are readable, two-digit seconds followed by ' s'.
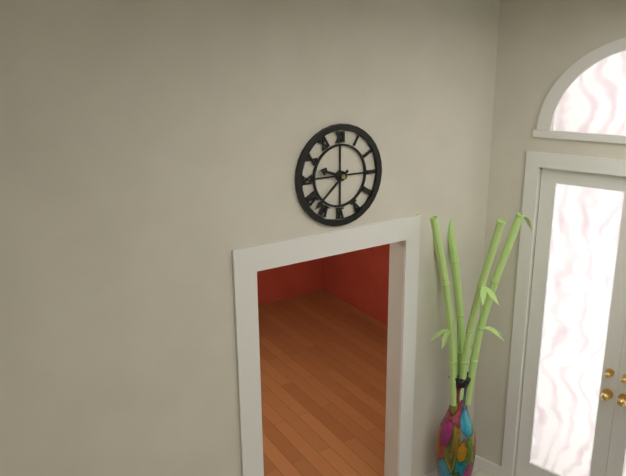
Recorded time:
9 h 38 min
